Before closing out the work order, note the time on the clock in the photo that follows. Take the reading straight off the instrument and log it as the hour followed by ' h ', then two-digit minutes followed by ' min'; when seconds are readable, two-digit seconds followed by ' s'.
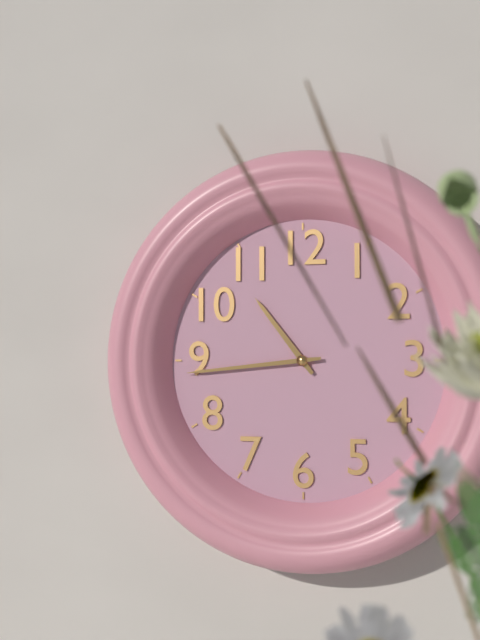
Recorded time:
10 h 44 min
